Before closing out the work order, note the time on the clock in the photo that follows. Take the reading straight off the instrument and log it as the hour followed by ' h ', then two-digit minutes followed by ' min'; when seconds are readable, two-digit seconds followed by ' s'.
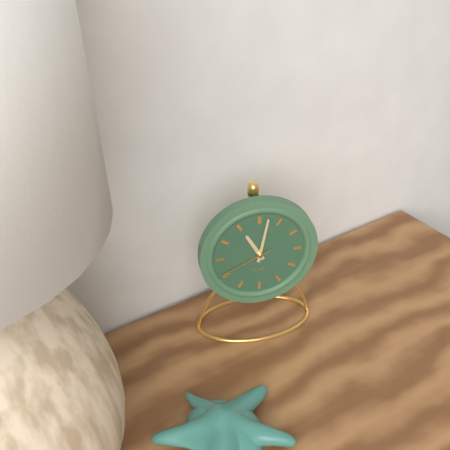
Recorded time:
11 h 02 min 41 s
